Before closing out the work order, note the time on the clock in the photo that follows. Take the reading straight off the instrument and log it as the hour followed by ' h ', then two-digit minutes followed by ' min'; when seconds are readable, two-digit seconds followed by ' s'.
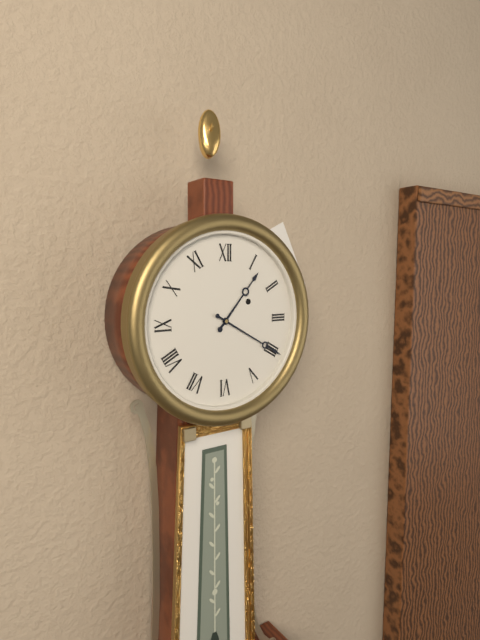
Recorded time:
1 h 20 min
